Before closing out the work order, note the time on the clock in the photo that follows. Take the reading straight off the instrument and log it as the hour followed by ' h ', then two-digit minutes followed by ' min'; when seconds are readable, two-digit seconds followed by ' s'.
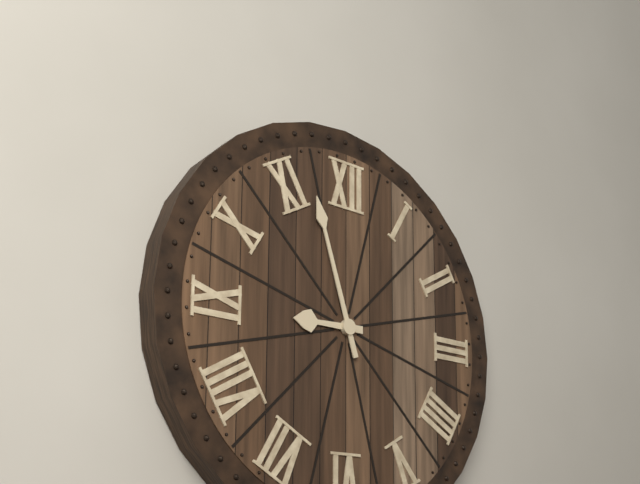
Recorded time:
8 h 57 min
